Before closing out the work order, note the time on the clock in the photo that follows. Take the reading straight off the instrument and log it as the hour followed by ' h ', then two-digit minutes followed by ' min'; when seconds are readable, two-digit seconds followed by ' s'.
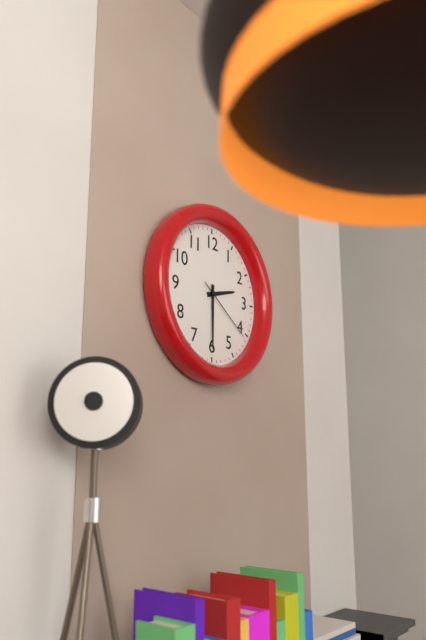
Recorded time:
2 h 30 min 21 s
